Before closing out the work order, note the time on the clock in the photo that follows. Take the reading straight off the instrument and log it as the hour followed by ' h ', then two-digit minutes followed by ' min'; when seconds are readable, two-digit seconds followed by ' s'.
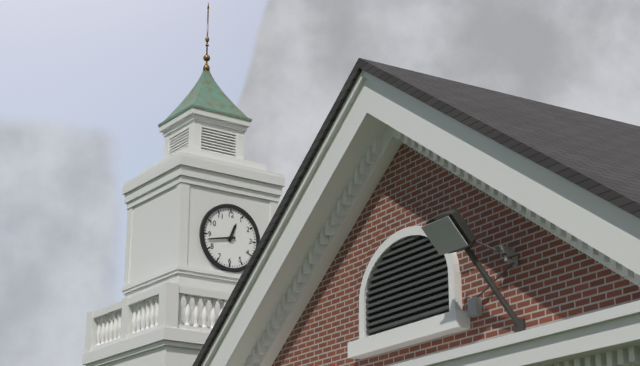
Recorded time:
12 h 43 min
